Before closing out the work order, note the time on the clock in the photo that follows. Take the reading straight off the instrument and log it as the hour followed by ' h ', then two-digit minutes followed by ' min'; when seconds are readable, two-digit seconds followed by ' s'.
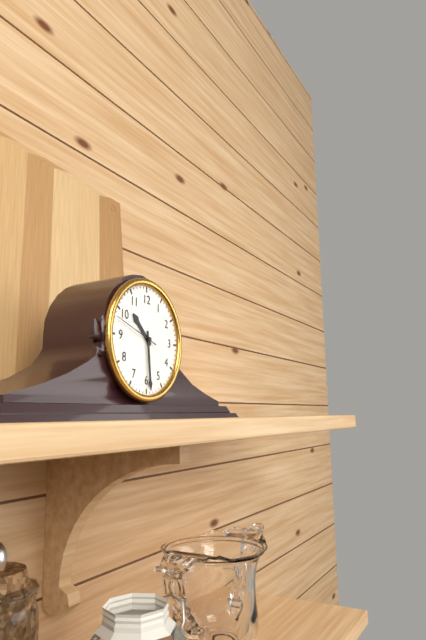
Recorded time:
10 h 29 min
